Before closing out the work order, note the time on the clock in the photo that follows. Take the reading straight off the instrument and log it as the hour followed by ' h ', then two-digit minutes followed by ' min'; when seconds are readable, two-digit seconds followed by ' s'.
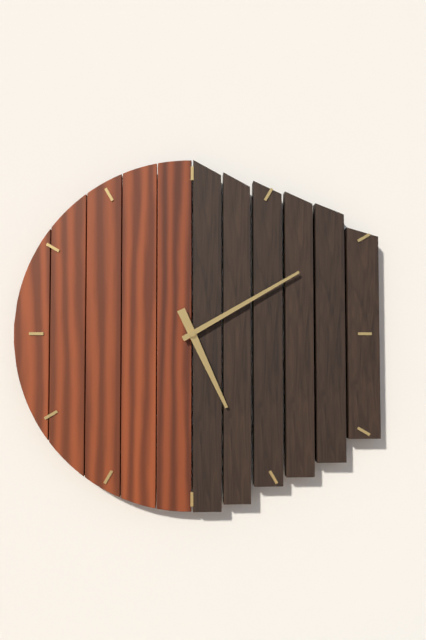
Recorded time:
5 h 10 min
